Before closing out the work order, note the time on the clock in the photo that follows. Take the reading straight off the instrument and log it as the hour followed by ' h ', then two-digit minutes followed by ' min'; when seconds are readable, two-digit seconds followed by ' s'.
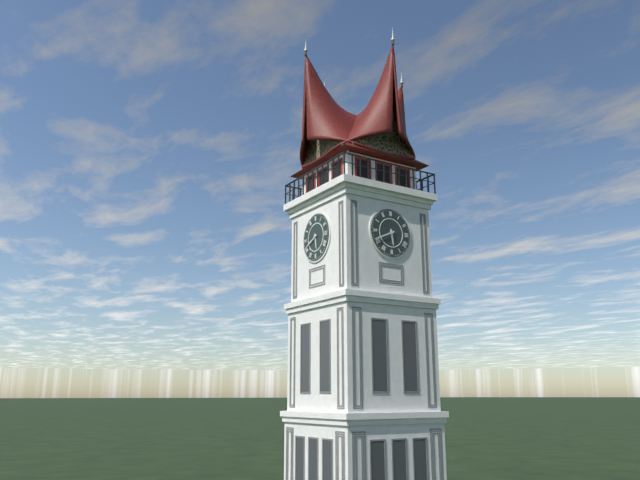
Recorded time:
5 h 41 min
